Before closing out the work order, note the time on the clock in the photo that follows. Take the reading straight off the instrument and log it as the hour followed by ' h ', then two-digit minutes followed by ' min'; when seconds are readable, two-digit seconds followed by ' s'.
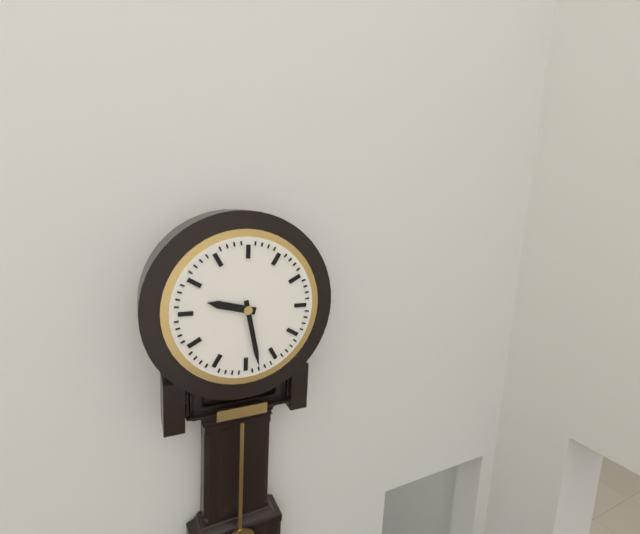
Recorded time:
9 h 28 min
